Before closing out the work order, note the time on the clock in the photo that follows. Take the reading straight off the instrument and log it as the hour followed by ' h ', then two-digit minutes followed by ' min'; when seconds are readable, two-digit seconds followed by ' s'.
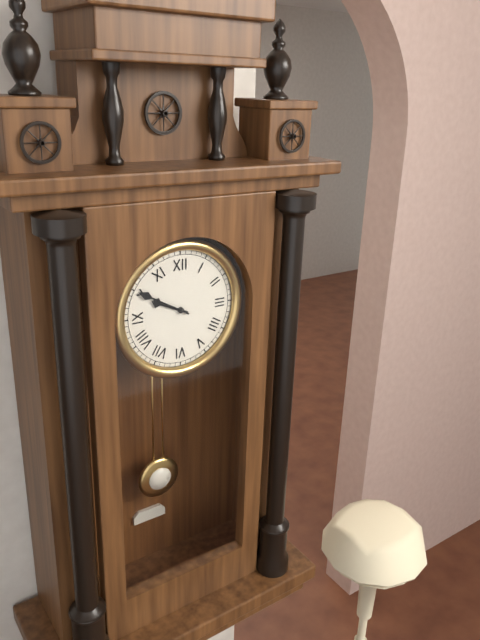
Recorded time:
9 h 50 min
